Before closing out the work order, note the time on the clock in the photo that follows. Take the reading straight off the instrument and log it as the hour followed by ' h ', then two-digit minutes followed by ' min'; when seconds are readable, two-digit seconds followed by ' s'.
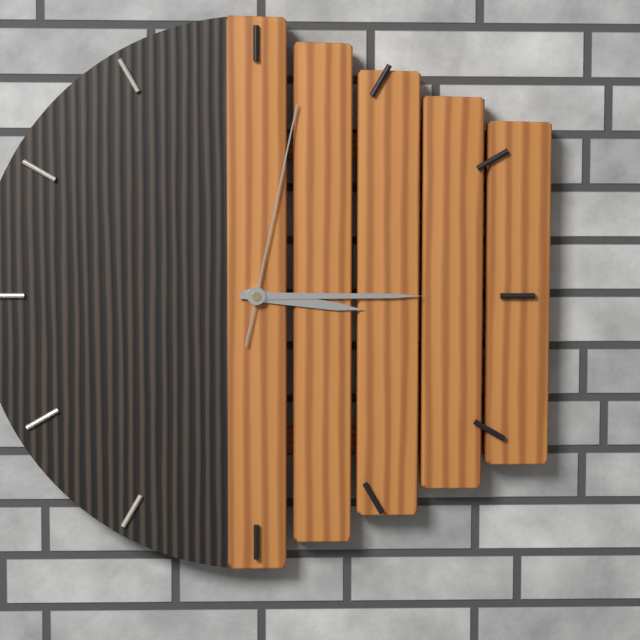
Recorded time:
3 h 15 min 02 s
